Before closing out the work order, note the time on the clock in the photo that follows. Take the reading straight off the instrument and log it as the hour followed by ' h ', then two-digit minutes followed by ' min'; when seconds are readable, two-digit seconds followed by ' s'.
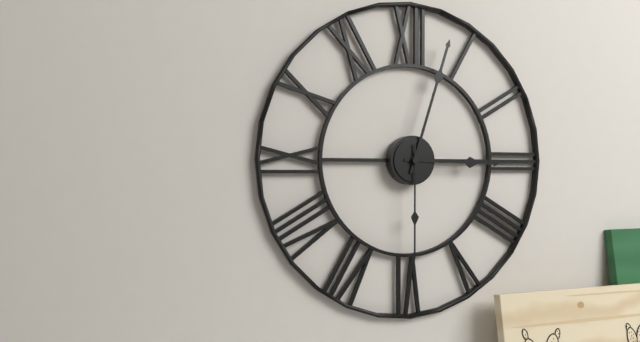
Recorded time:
3 h 03 min 30 s
